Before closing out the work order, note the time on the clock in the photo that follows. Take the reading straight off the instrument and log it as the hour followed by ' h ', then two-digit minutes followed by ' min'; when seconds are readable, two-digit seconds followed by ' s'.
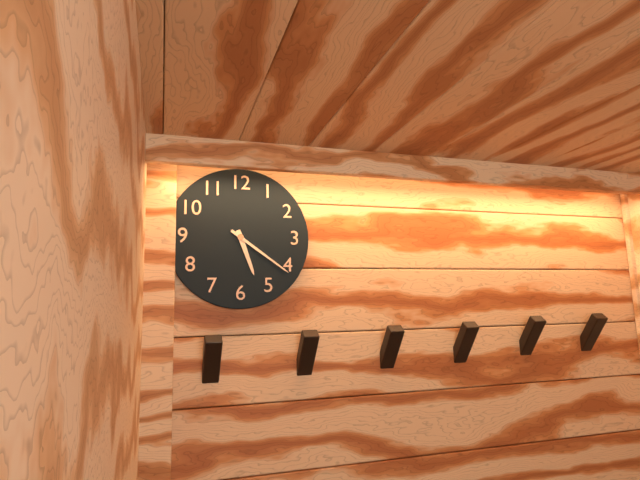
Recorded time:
5 h 21 min
